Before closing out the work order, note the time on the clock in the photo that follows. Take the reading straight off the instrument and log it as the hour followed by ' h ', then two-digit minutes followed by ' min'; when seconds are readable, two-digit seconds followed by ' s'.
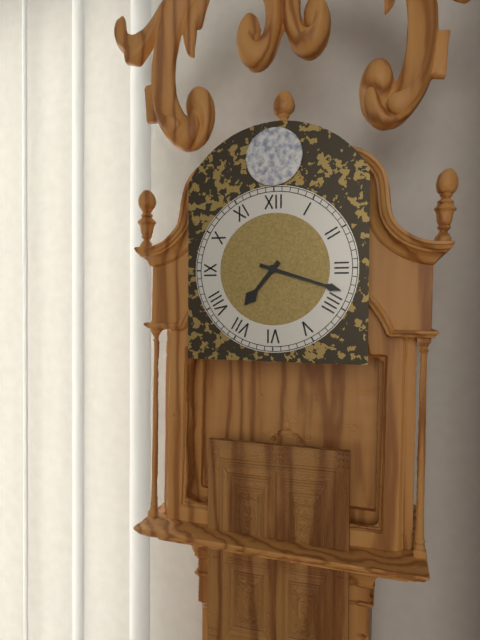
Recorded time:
7 h 18 min
